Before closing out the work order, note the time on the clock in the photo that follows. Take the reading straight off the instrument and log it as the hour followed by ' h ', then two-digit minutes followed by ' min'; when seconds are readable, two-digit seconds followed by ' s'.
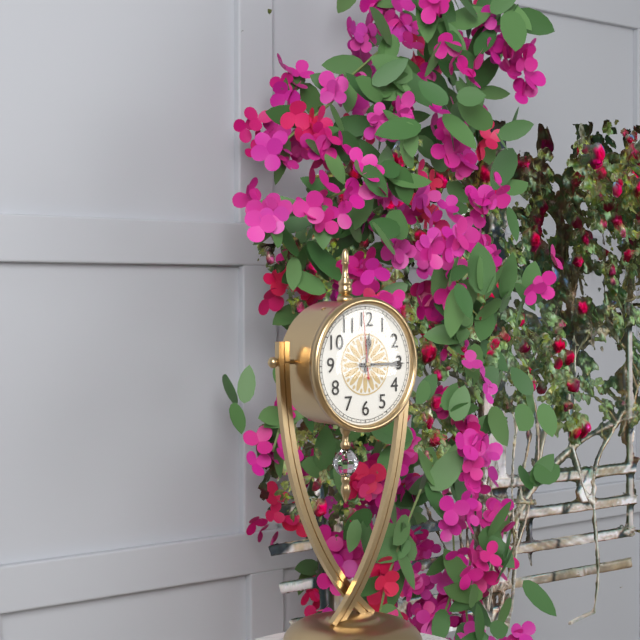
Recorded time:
12 h 15 min 59 s
